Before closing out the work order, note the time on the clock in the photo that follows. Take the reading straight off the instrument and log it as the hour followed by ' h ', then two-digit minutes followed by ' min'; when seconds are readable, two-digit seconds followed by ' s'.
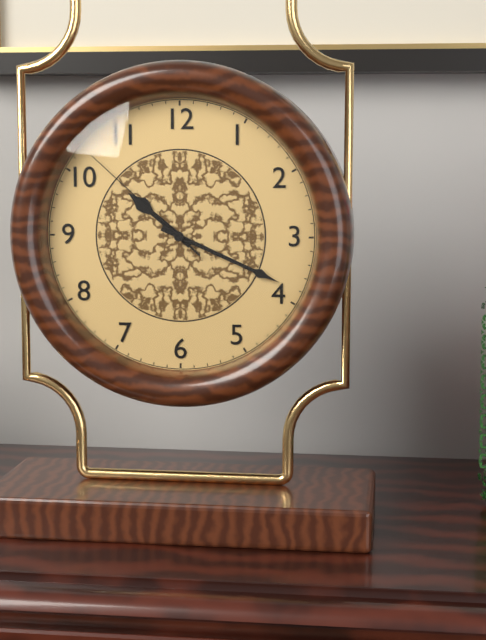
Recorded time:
10 h 19 min 52 s
